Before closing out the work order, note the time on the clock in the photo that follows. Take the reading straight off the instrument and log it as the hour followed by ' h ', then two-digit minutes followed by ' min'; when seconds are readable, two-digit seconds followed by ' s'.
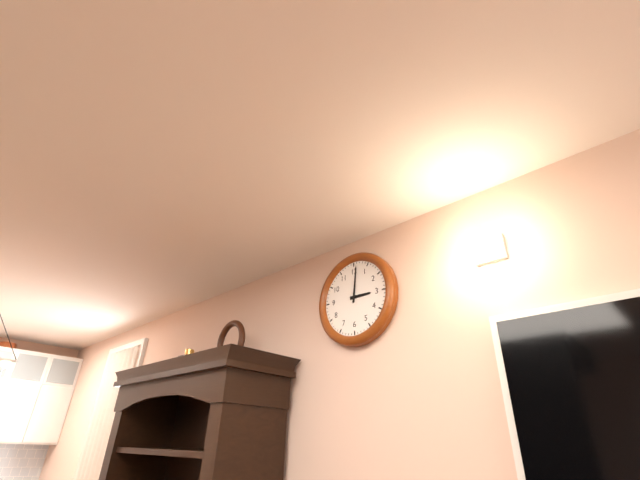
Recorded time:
3 h 01 min
